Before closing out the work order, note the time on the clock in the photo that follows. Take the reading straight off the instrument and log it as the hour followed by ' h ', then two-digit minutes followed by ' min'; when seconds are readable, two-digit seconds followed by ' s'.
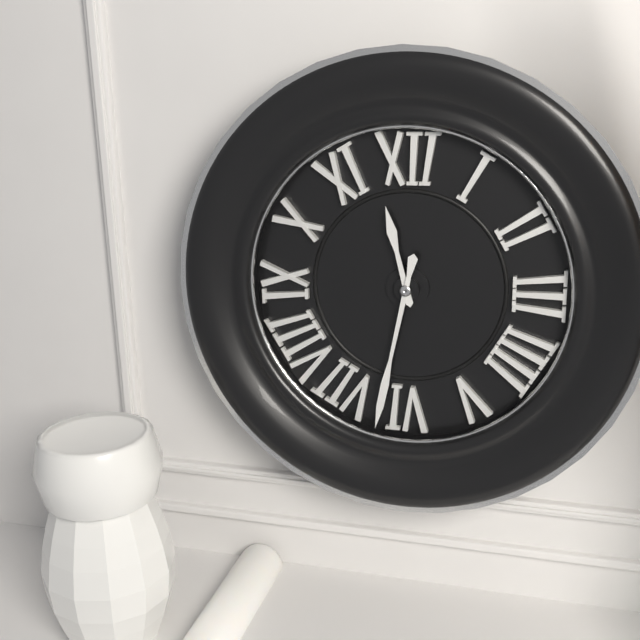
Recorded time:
11 h 32 min
